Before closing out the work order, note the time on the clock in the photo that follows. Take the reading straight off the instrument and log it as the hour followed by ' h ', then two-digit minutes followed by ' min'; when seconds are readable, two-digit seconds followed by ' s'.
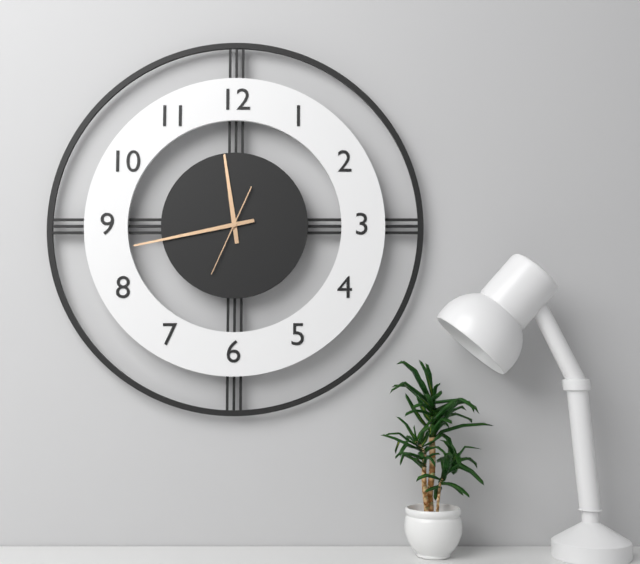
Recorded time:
11 h 43 min 34 s
